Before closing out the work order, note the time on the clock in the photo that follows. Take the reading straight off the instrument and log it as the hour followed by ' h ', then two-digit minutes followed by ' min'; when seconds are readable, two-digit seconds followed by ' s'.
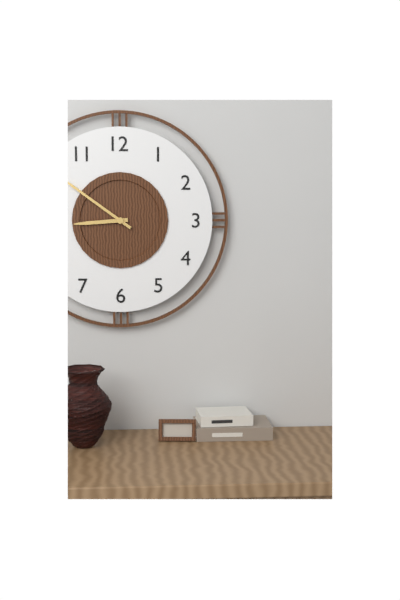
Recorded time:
8 h 51 min
